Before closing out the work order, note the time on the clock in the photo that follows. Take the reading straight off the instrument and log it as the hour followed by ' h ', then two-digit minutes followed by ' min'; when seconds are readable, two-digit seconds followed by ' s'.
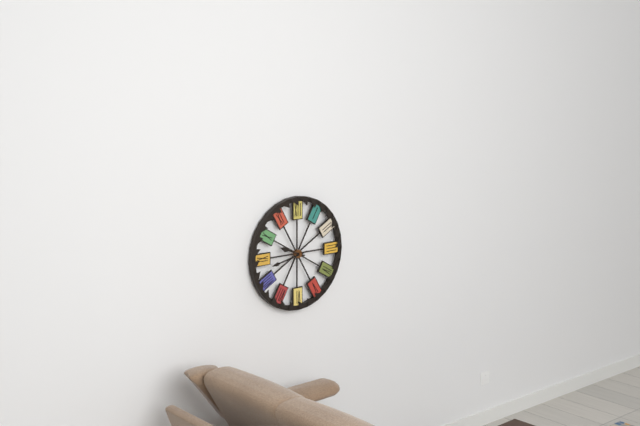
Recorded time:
9 h 43 min
